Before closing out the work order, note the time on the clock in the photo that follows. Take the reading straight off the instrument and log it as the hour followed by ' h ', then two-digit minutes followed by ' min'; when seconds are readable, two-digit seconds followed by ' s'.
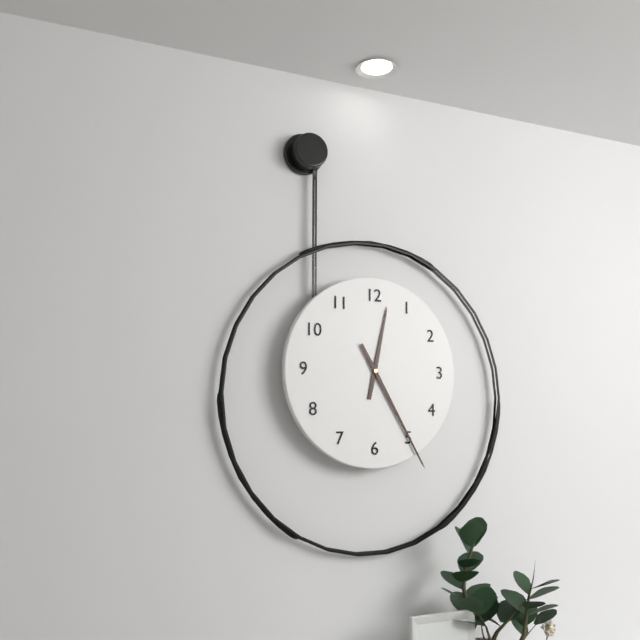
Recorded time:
12 h 25 min
